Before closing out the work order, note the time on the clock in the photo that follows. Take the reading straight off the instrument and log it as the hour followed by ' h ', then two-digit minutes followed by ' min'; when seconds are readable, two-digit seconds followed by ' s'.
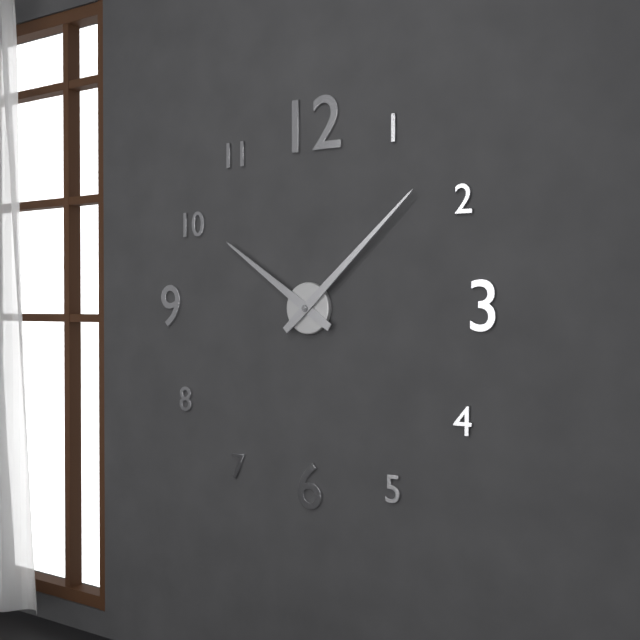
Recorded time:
10 h 08 min
